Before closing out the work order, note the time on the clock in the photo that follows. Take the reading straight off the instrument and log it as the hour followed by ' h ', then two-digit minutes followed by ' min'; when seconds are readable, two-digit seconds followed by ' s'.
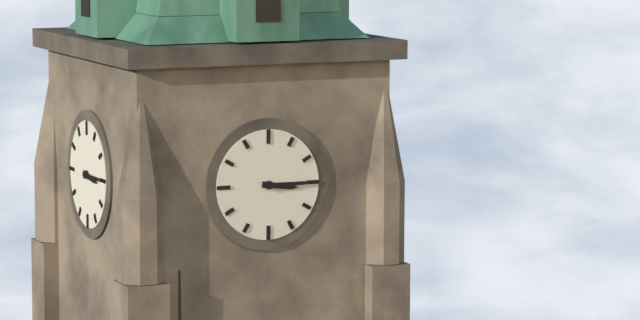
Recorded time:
3 h 15 min
